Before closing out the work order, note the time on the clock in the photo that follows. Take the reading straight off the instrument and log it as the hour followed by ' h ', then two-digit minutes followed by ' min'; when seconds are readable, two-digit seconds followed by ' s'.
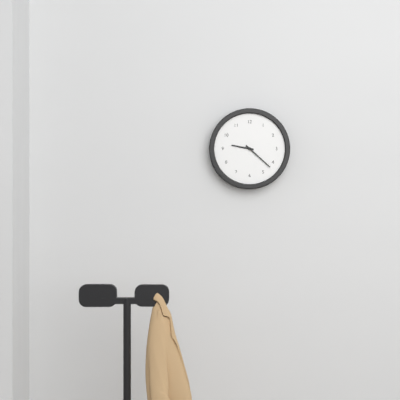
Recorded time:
9 h 22 min
